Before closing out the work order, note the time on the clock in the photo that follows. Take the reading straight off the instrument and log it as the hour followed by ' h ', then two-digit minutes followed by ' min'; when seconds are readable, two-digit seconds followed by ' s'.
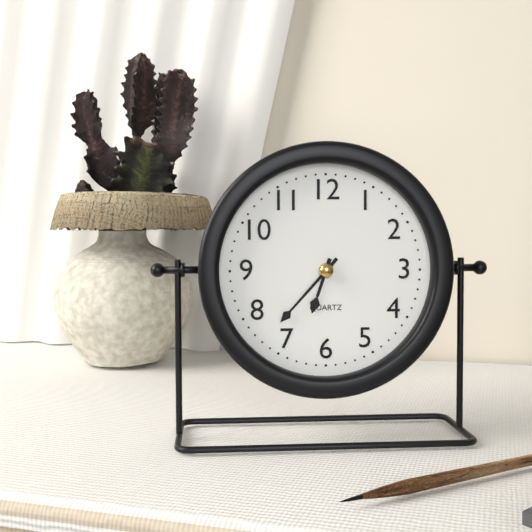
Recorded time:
6 h 37 min
